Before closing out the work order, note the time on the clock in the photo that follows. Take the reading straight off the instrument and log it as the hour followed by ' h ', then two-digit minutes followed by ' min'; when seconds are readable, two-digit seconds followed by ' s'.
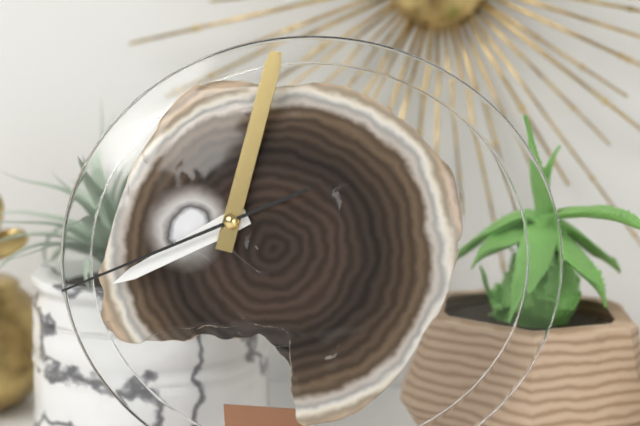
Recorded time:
8 h 02 min 41 s
